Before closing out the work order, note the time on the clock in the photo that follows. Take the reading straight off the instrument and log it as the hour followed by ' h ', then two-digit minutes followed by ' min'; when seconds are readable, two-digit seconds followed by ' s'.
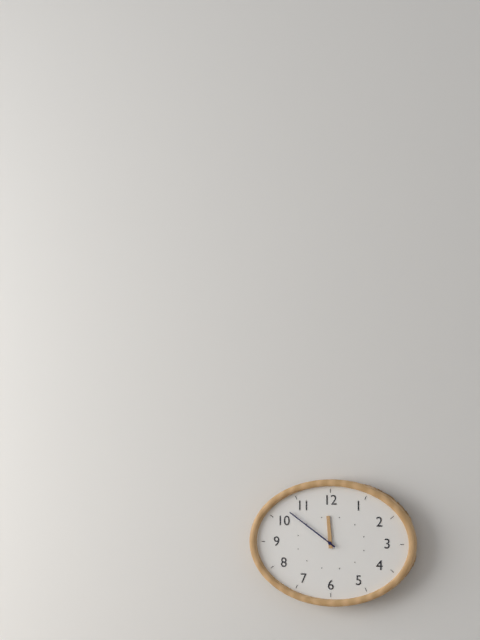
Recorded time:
11 h 51 min
